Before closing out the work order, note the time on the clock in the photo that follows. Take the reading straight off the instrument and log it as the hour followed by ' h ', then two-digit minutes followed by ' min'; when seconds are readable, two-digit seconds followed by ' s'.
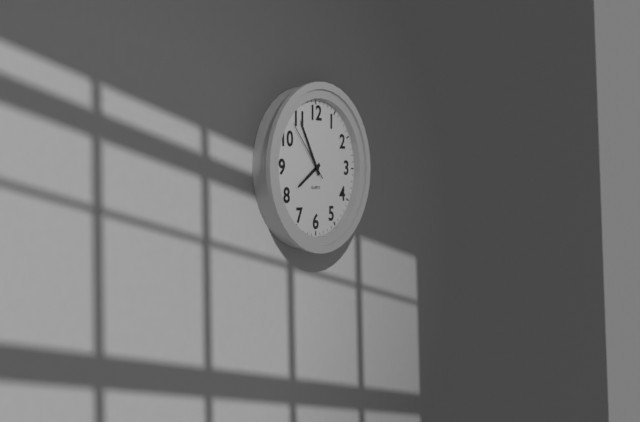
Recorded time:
7 h 55 min 53 s
